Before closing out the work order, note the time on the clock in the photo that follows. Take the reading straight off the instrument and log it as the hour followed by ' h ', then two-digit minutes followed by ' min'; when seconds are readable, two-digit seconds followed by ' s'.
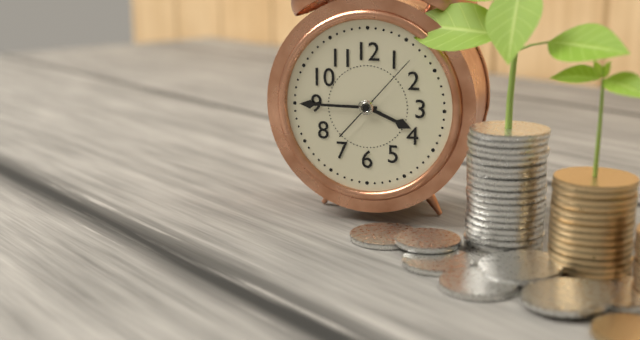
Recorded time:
3 h 45 min 07 s
